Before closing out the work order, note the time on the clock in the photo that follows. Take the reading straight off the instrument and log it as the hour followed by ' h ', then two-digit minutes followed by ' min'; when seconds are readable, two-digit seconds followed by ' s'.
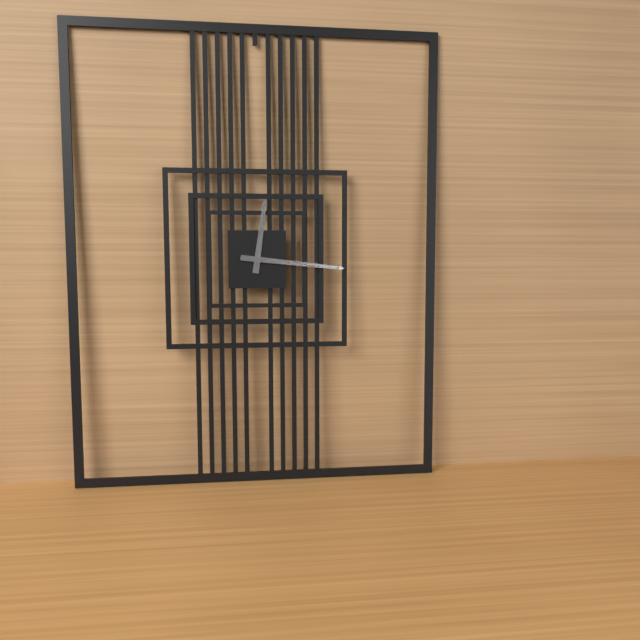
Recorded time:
12 h 16 min
